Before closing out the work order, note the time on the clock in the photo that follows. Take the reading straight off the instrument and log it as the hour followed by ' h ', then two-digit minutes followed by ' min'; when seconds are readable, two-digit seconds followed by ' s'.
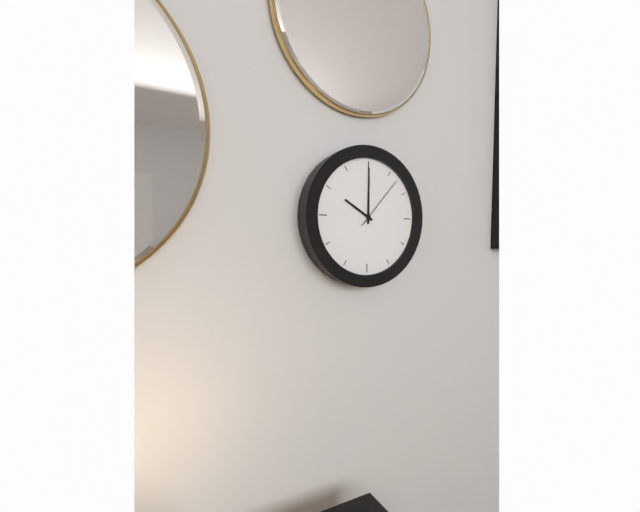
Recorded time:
10 h 00 min 07 s
